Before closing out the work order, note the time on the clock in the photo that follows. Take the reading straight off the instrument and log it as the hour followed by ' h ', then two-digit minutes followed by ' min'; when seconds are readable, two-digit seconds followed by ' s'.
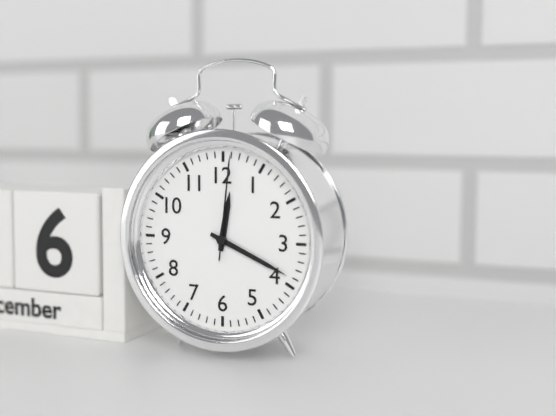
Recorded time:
12 h 19 min 01 s
